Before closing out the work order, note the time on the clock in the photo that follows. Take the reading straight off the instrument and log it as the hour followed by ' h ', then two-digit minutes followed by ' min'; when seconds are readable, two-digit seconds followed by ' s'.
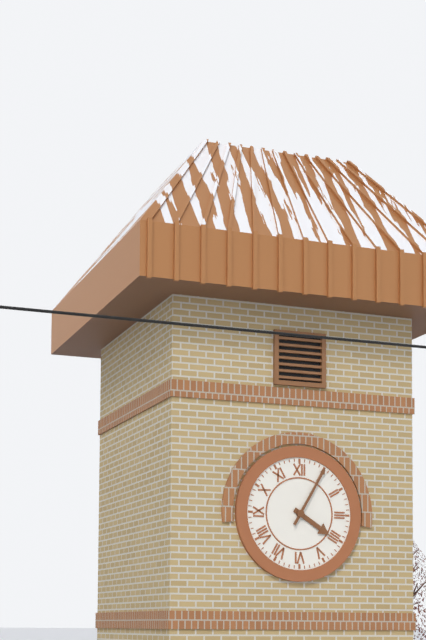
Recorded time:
4 h 05 min
